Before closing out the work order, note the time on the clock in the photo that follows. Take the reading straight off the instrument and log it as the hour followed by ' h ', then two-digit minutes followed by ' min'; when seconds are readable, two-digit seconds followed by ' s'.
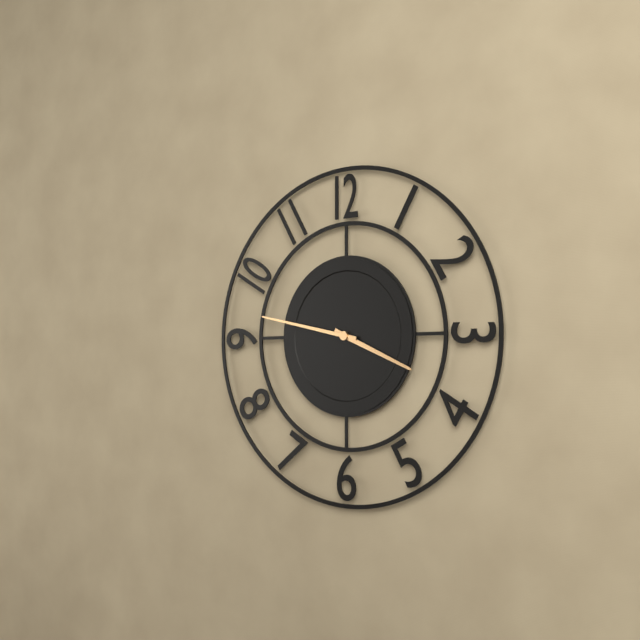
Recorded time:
3 h 47 min
